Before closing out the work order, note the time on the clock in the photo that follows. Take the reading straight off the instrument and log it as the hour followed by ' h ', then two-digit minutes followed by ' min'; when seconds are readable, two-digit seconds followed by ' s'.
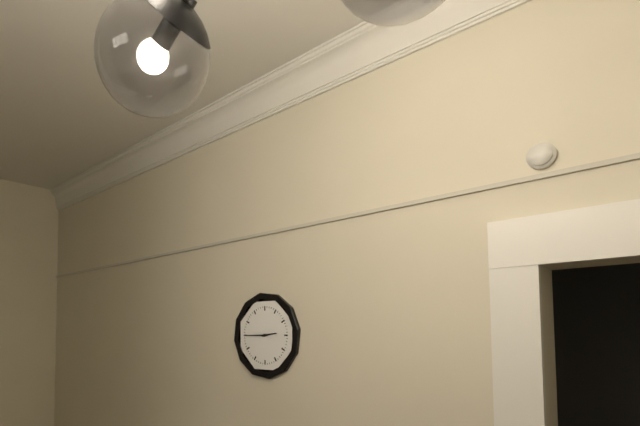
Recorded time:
2 h 45 min
